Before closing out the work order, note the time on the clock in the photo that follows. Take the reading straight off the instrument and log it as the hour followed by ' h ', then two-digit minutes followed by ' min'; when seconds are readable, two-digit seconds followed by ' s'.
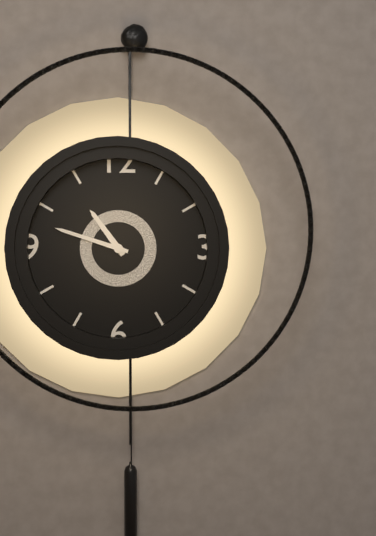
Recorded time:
10 h 48 min
